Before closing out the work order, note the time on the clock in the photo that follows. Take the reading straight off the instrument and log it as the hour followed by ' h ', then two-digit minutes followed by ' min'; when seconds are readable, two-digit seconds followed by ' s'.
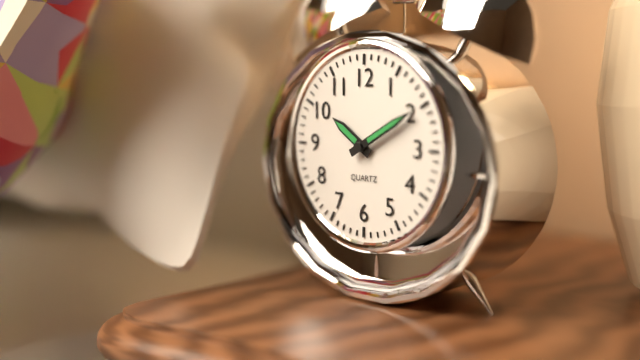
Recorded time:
10 h 10 min
